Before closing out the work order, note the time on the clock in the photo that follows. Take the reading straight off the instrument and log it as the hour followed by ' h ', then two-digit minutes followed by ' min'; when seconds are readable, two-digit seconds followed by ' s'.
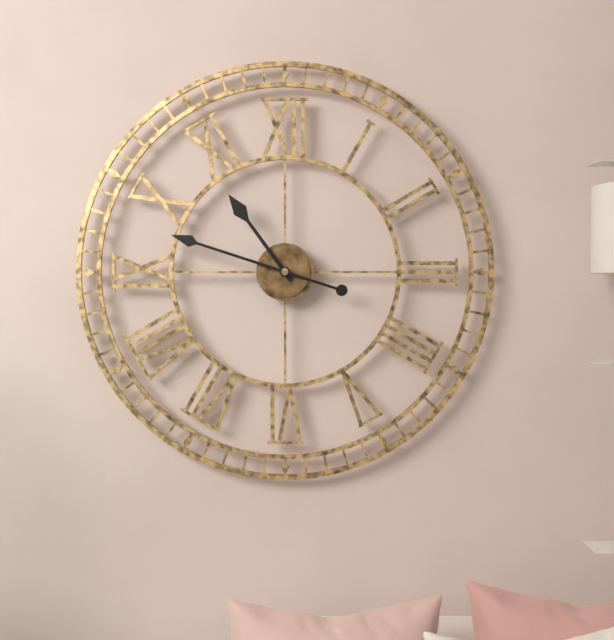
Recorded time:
10 h 48 min
